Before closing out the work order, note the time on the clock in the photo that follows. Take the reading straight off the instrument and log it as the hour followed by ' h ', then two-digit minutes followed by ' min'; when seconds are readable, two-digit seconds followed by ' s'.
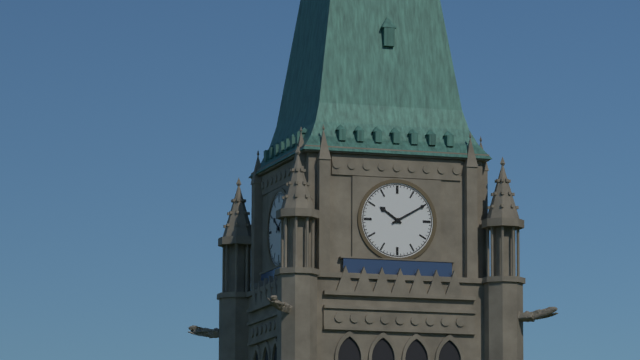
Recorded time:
10 h 10 min
